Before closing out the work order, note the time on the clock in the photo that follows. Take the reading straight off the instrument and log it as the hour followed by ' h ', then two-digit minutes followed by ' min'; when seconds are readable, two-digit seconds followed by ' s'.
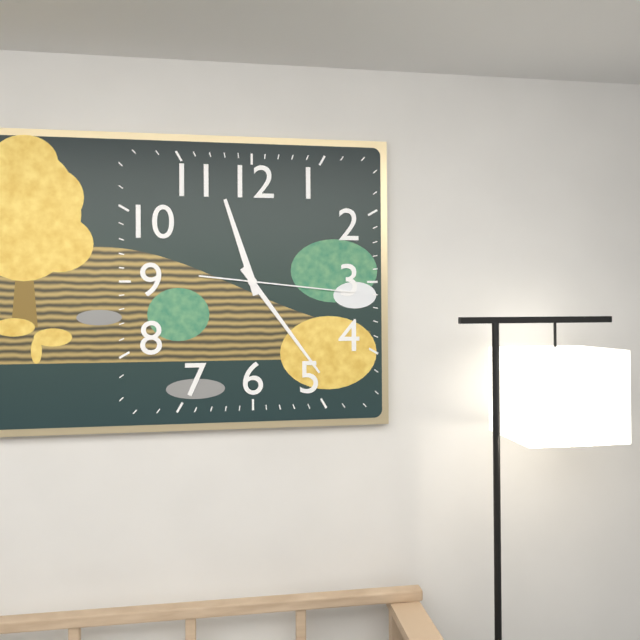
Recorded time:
11 h 24 min 16 s
